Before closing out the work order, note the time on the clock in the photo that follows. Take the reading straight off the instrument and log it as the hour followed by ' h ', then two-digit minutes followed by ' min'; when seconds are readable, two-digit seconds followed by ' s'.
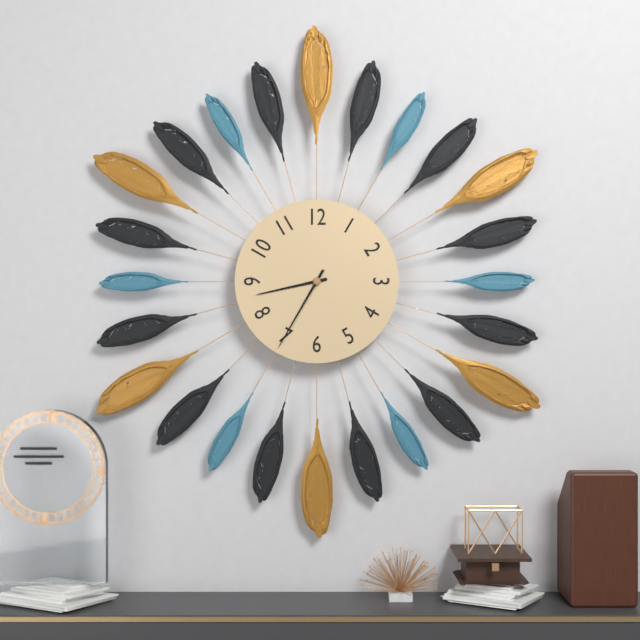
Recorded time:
8 h 35 min
